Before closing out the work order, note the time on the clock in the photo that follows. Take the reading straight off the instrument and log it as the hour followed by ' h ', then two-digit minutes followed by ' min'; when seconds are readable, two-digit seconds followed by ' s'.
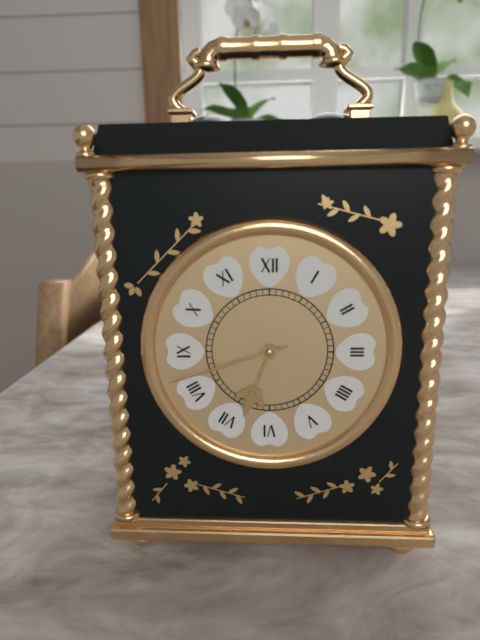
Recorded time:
6 h 42 min
